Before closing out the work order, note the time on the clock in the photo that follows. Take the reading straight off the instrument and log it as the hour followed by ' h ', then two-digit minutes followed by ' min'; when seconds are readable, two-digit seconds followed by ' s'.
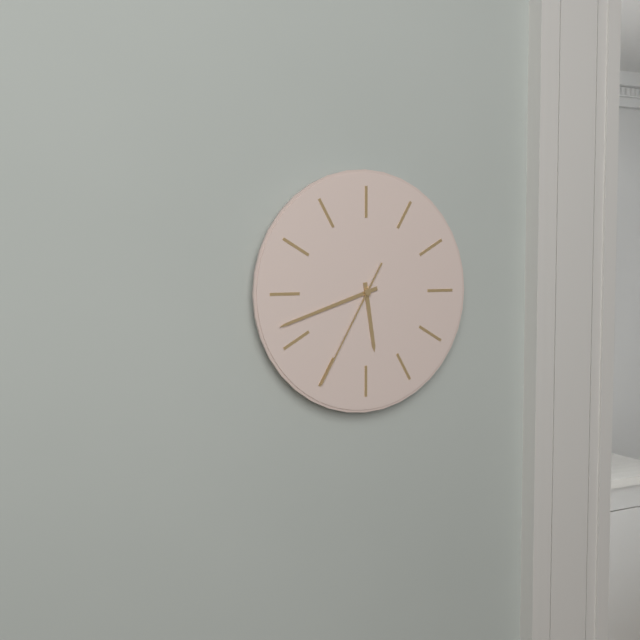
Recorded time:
5 h 42 min 35 s
